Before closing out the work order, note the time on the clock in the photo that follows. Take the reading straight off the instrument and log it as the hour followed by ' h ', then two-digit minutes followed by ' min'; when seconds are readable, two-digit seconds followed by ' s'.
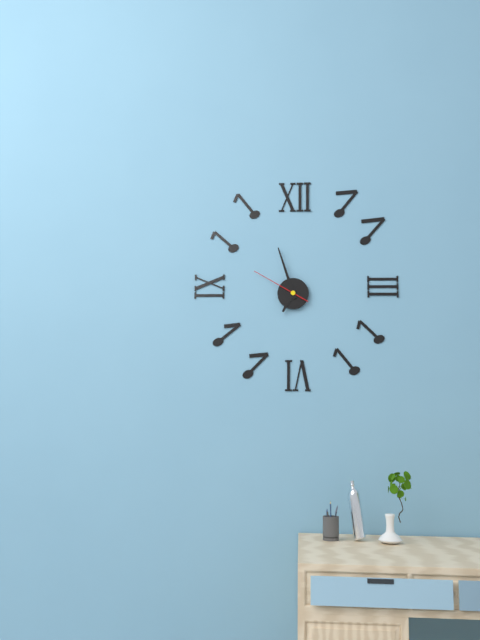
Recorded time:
6 h 57 min 50 s
